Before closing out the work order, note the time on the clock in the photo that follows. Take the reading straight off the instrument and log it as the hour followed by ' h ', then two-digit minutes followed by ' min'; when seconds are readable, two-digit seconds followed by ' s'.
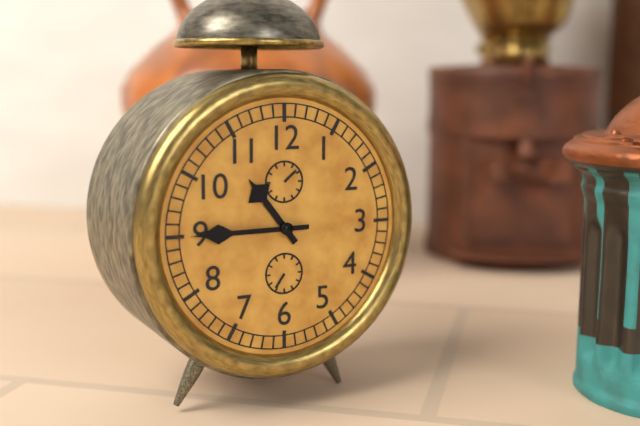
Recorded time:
10 h 45 min
